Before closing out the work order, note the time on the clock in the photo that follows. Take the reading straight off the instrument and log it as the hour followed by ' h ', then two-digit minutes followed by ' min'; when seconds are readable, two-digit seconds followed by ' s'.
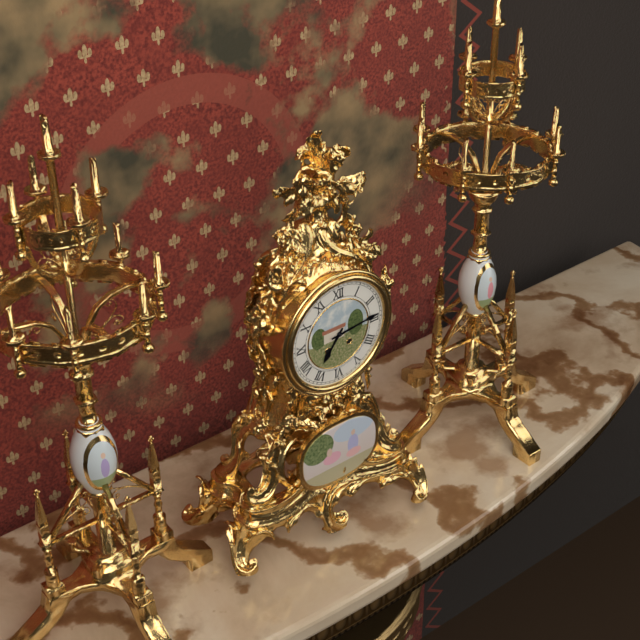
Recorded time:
7 h 14 min
